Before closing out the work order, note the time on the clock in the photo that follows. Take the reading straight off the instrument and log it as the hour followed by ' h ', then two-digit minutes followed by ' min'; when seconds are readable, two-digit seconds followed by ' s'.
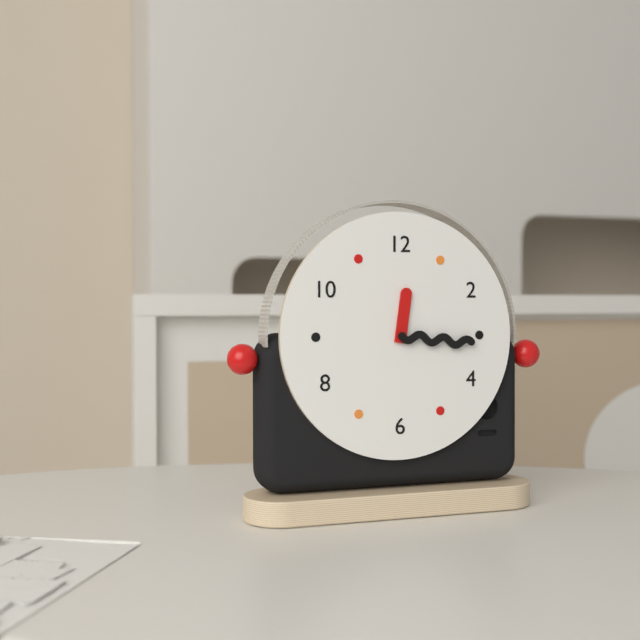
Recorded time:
12 h 16 min
